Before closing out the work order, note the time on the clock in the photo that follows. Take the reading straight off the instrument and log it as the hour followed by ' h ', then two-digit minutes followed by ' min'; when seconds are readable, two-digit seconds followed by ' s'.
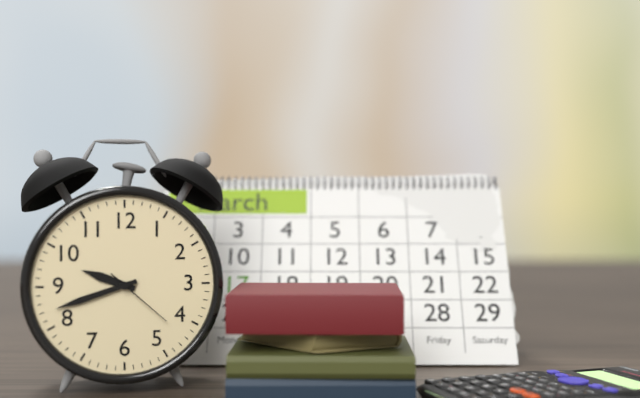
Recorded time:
9 h 42 min 22 s
